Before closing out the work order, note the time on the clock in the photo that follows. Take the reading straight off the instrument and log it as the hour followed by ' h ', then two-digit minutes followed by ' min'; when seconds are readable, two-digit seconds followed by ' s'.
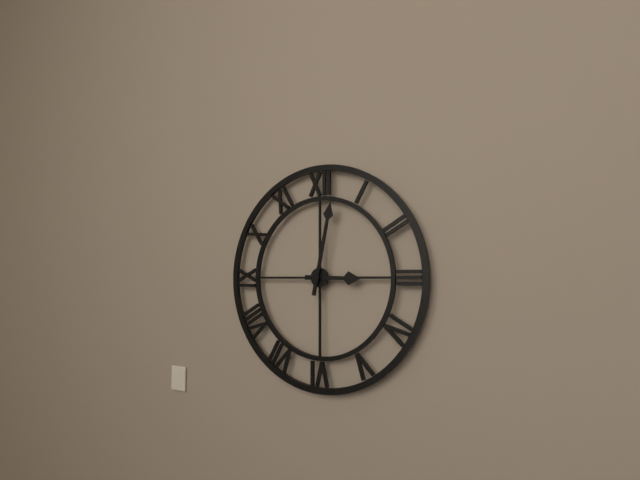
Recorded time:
3 h 02 min
